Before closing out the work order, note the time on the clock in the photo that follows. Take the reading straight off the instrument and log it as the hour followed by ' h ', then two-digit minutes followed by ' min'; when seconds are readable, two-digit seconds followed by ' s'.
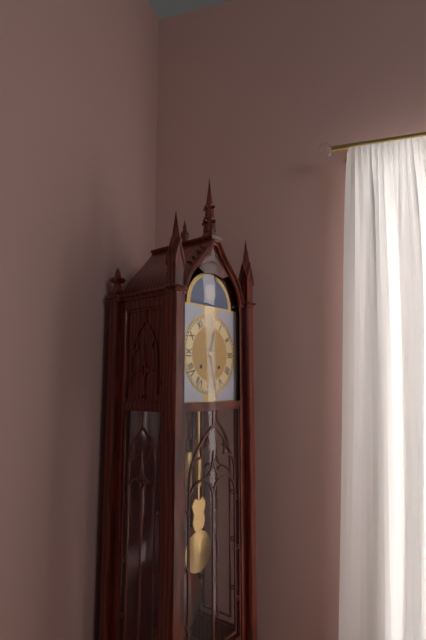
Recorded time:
12 h 28 min
